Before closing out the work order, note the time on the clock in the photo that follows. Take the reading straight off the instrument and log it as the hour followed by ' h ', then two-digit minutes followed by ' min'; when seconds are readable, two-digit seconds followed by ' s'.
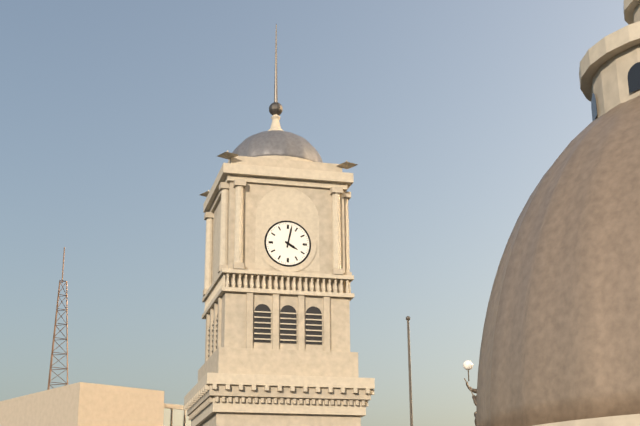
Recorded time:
4 h 02 min
